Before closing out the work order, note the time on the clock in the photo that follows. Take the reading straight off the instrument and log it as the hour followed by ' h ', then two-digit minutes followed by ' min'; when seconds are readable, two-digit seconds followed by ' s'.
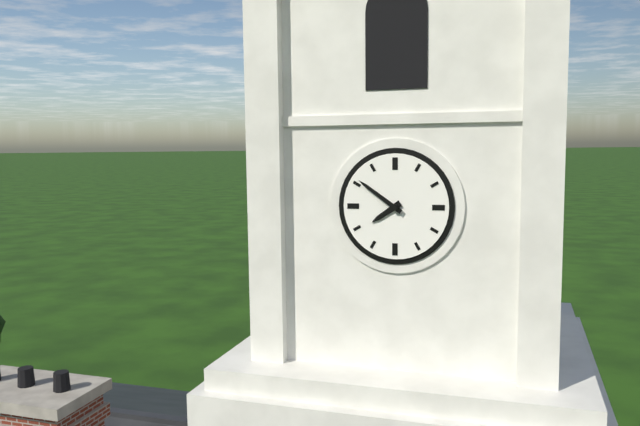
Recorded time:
7 h 51 min
